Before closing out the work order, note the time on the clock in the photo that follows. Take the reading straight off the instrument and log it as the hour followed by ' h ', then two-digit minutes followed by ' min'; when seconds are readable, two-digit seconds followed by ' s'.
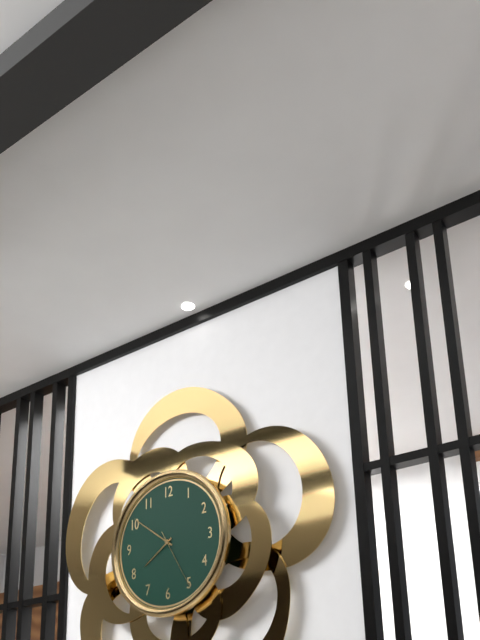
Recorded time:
7 h 51 min 25 s
